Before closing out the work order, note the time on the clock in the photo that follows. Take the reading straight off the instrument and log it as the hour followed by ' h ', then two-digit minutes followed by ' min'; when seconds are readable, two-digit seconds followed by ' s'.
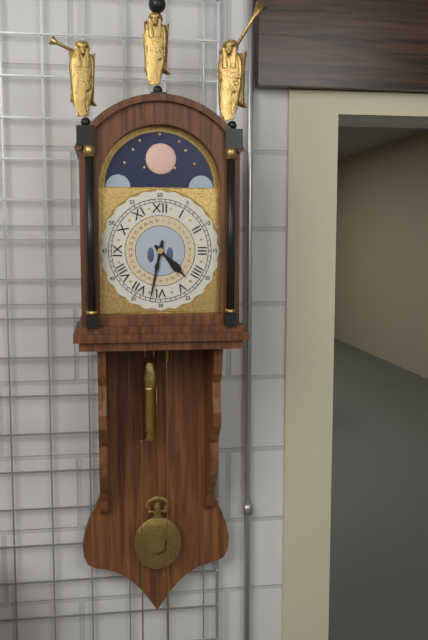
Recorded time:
4 h 32 min
